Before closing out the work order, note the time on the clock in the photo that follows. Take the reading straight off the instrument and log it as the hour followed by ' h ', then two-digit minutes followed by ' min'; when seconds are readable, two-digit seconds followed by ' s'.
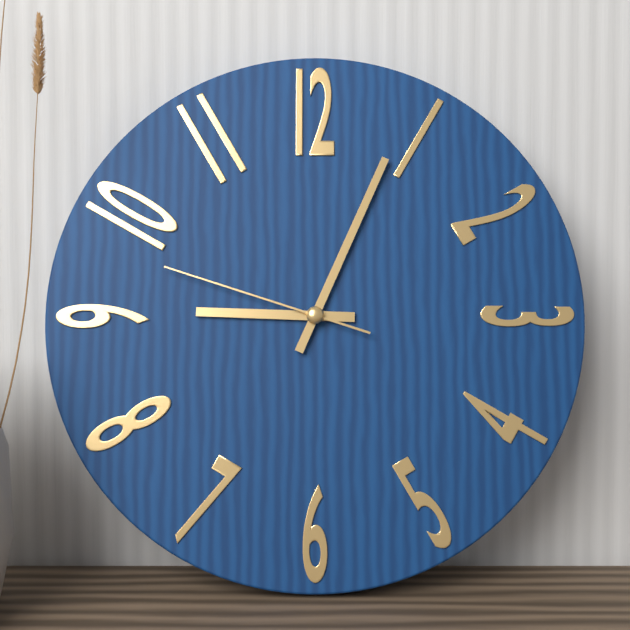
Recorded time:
9 h 04 min 48 s
